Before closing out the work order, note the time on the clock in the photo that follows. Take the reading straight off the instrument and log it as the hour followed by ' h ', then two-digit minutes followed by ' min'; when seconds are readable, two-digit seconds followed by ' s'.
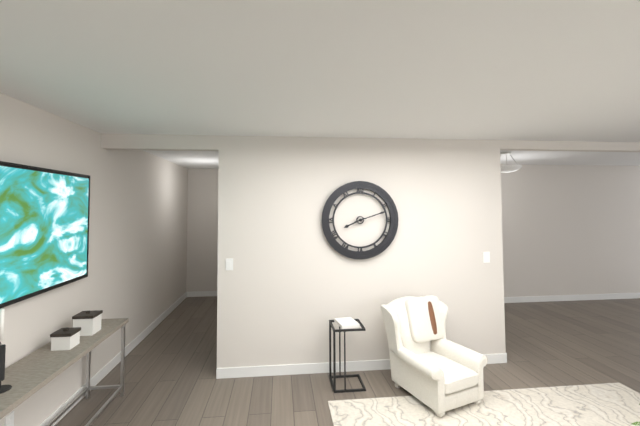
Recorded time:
8 h 12 min
